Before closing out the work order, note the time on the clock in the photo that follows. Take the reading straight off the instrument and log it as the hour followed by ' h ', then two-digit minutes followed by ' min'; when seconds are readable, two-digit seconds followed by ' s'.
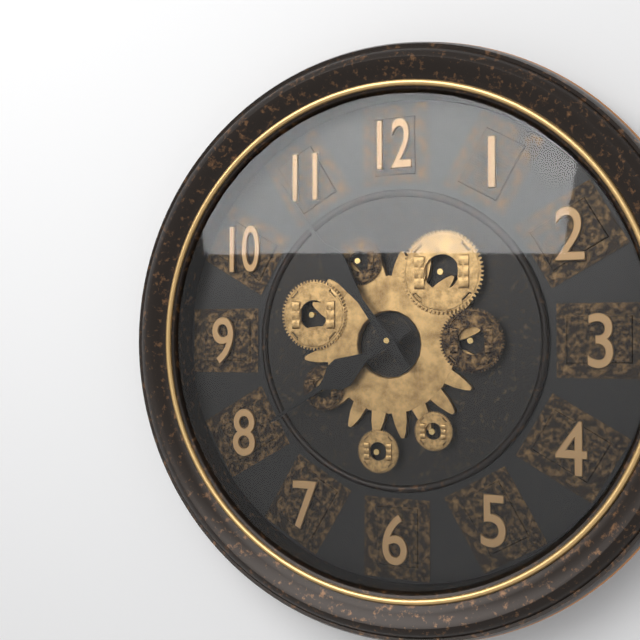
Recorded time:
7 h 54 min
